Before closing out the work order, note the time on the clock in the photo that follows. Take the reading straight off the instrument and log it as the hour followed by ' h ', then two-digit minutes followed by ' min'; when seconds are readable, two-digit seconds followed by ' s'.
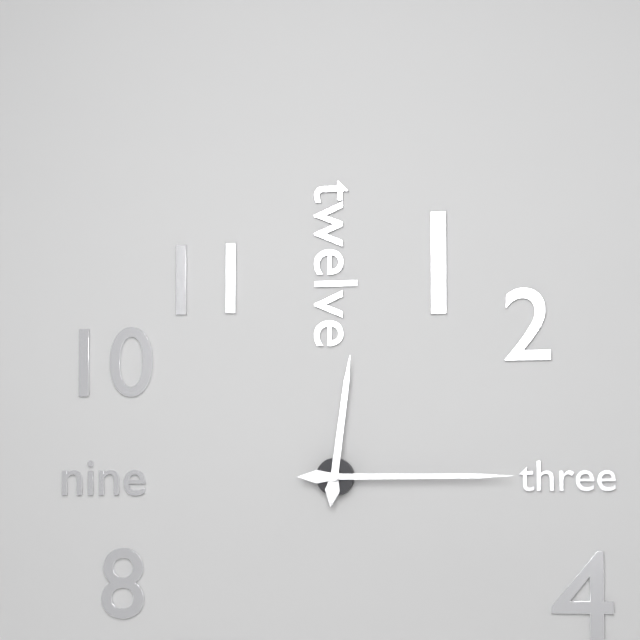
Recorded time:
12 h 15 min
